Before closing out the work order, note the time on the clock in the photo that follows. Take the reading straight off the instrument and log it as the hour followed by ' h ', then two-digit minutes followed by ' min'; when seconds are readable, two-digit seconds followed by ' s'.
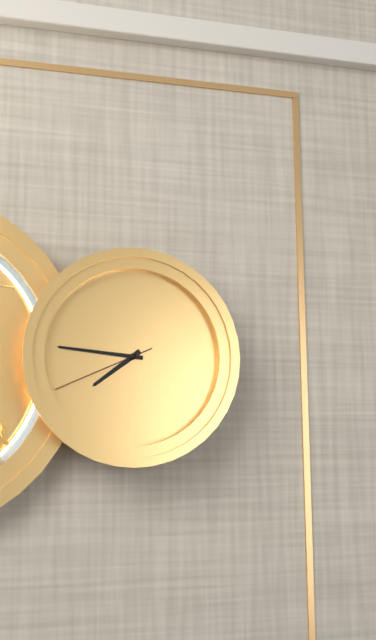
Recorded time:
7 h 46 min 41 s
